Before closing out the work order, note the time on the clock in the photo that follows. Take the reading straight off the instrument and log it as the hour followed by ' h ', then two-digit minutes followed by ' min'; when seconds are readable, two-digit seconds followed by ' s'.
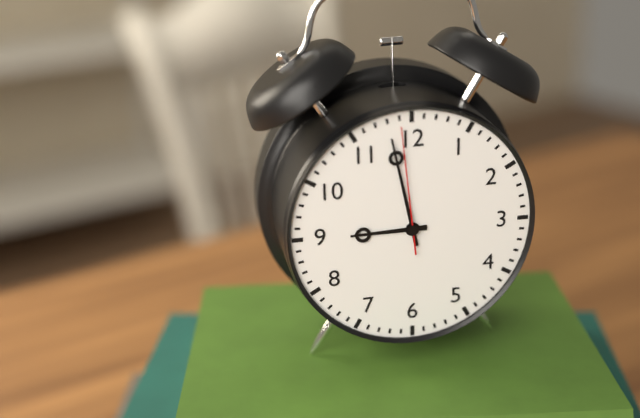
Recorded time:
8 h 58 min 59 s
